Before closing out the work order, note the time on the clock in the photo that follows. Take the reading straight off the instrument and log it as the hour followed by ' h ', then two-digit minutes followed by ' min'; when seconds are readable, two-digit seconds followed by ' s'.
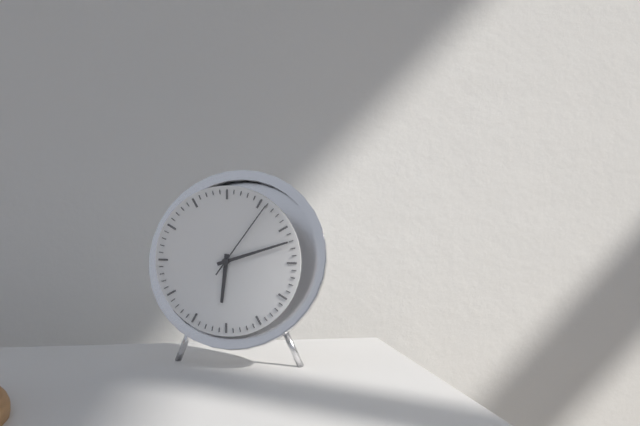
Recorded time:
6 h 12 min 06 s
